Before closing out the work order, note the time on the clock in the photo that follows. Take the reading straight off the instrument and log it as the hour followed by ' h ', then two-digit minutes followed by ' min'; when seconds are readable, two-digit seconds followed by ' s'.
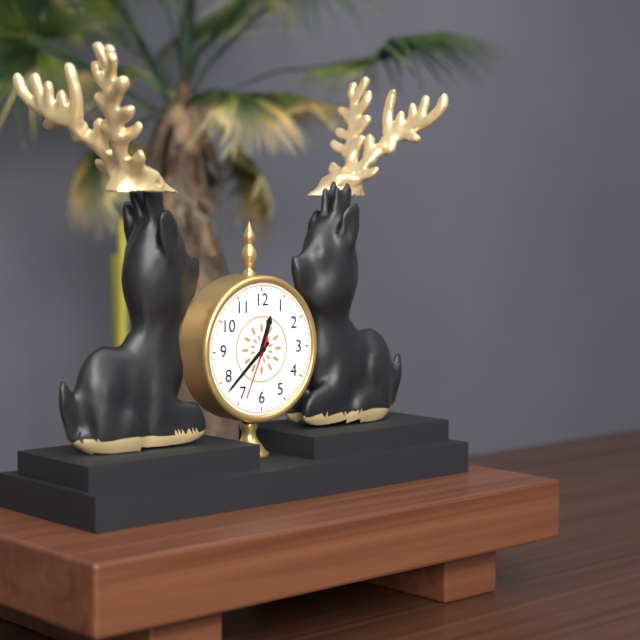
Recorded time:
12 h 38 min 34 s
